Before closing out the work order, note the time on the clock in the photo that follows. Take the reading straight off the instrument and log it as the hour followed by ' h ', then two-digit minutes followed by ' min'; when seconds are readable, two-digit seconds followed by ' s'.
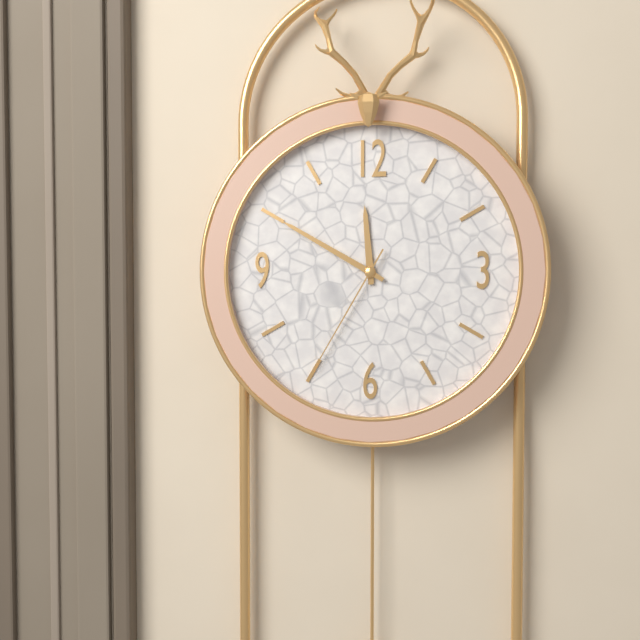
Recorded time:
11 h 50 min 35 s
